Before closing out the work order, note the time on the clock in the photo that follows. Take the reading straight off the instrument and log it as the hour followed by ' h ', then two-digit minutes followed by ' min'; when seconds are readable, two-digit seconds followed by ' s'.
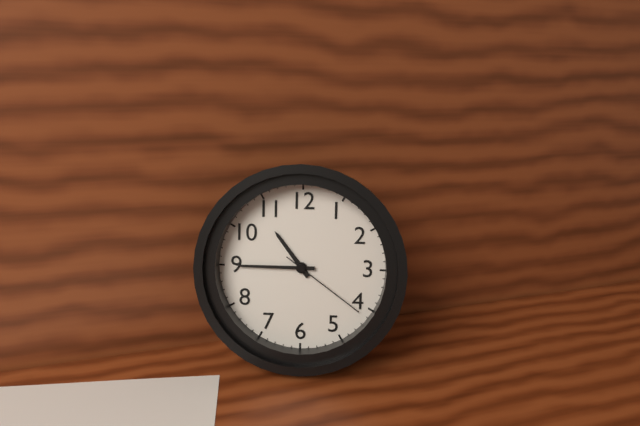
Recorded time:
10 h 45 min 21 s
